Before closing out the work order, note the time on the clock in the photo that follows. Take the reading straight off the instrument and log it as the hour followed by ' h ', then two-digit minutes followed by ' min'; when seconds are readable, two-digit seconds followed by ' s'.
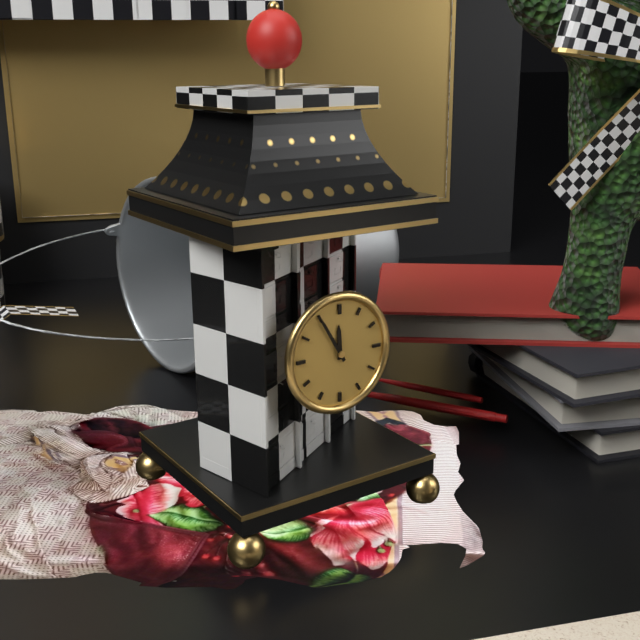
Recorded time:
11 h 55 min
